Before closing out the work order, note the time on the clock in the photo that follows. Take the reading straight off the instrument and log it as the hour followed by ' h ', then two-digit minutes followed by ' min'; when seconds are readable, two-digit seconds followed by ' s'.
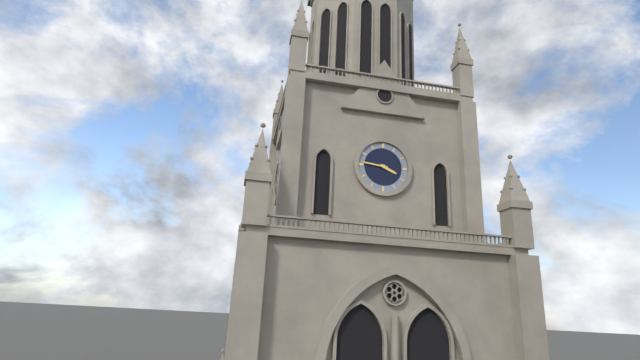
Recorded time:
3 h 46 min
